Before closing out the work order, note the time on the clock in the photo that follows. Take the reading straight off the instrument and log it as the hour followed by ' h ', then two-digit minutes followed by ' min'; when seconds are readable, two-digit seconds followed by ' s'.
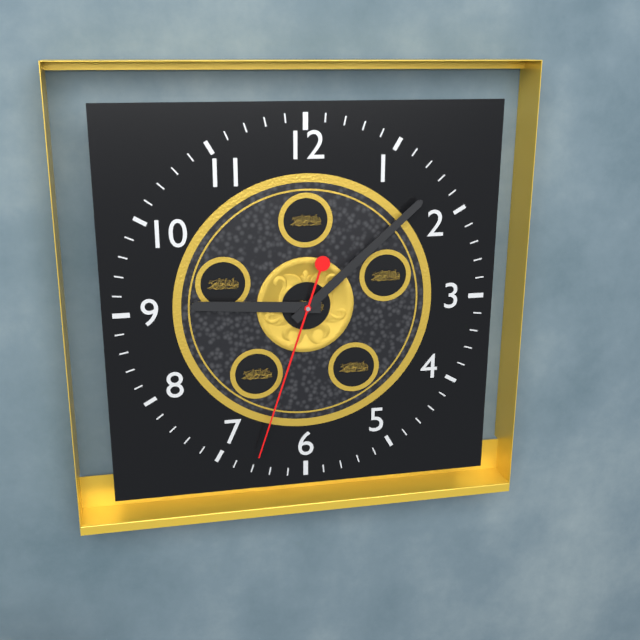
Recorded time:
9 h 08 min 33 s
